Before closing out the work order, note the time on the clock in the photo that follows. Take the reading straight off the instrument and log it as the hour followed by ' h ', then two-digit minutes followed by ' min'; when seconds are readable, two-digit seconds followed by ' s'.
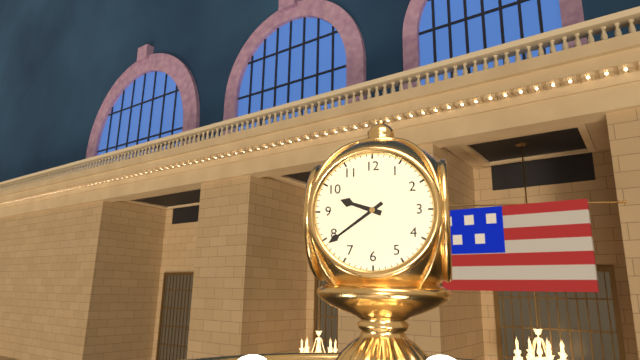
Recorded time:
9 h 39 min
